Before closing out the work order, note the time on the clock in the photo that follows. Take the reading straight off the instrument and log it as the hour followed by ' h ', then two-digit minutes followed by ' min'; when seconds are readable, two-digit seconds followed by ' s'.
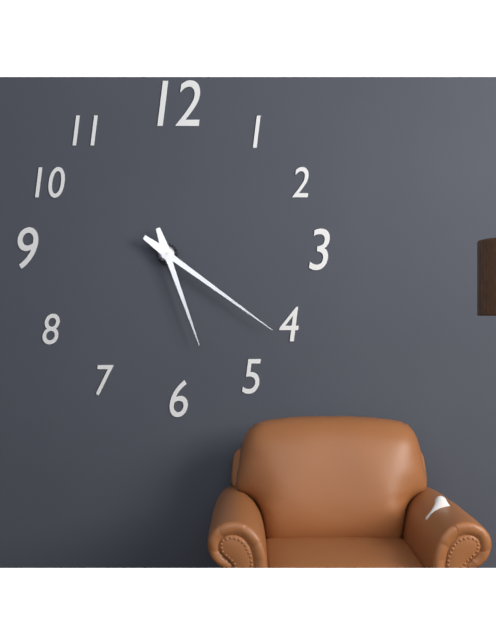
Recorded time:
5 h 21 min
